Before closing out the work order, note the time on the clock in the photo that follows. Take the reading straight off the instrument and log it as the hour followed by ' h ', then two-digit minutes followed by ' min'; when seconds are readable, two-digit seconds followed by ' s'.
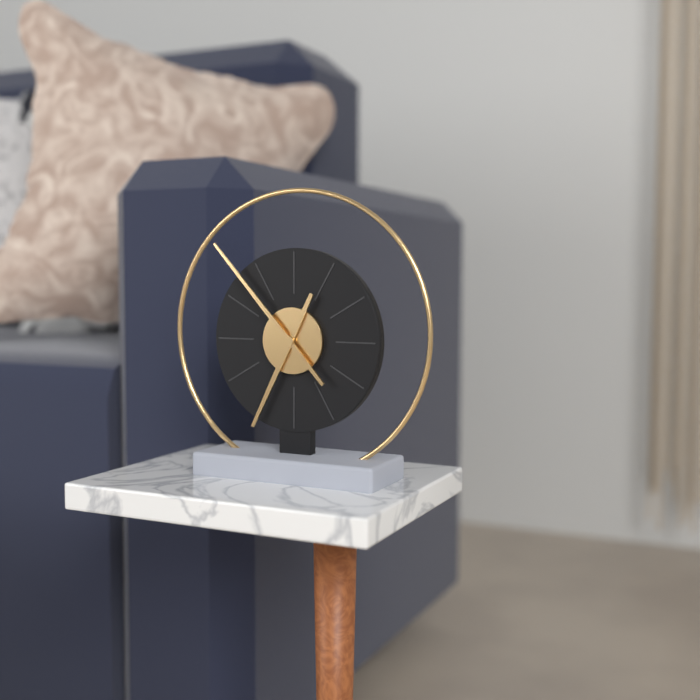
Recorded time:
6 h 53 min
